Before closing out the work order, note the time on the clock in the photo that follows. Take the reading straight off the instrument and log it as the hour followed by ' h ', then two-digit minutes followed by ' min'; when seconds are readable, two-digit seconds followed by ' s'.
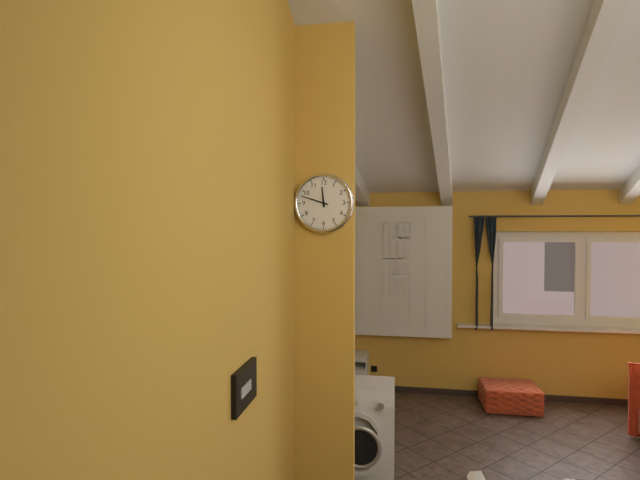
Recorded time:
11 h 48 min
